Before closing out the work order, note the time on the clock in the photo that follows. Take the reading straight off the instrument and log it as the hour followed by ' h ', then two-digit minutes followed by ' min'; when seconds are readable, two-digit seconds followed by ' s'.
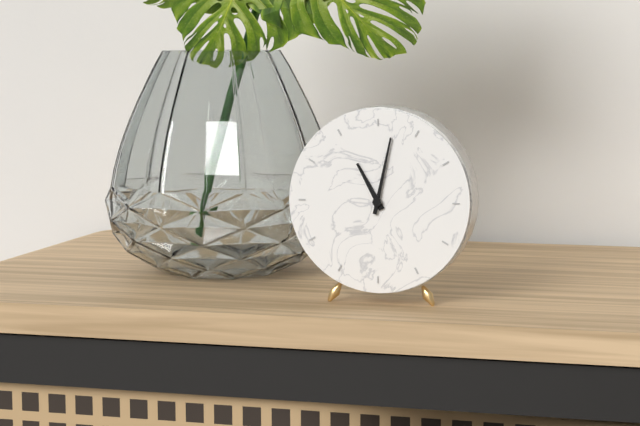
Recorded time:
11 h 02 min
